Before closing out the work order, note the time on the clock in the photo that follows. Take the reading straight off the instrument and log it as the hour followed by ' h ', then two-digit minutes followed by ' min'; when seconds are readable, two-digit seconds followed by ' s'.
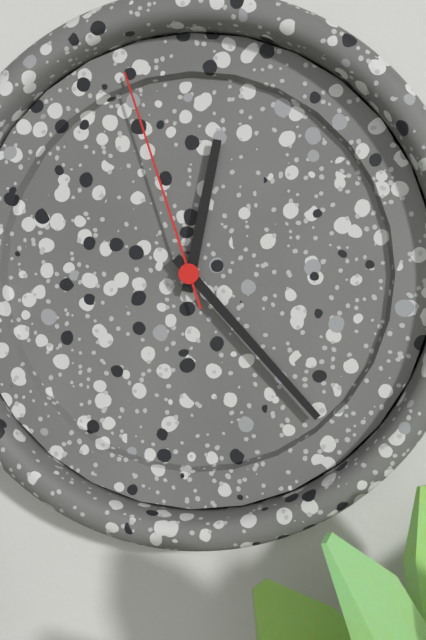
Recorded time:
12 h 23 min 57 s
